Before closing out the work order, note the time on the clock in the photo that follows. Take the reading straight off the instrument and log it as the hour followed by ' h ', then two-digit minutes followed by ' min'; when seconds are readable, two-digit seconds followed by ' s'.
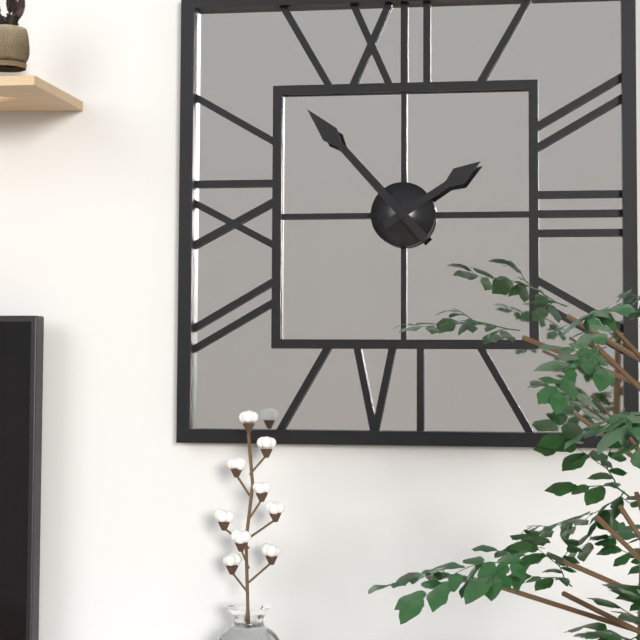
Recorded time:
1 h 53 min
